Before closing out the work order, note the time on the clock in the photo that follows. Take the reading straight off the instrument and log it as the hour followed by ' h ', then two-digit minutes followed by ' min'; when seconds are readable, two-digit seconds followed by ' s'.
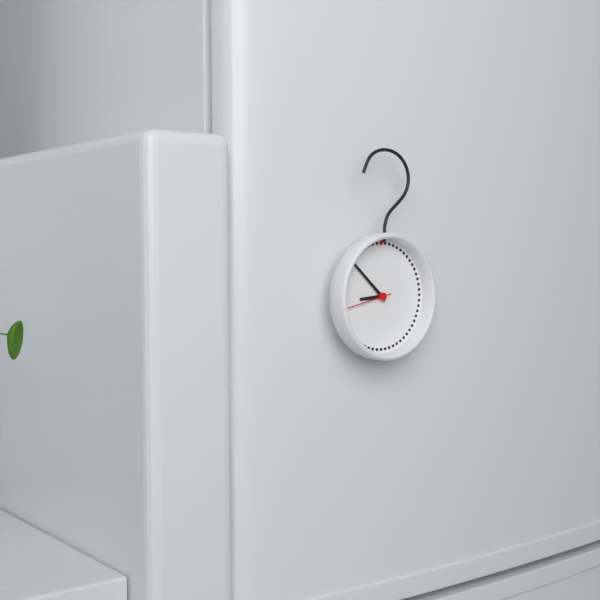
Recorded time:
8 h 52 min 43 s
